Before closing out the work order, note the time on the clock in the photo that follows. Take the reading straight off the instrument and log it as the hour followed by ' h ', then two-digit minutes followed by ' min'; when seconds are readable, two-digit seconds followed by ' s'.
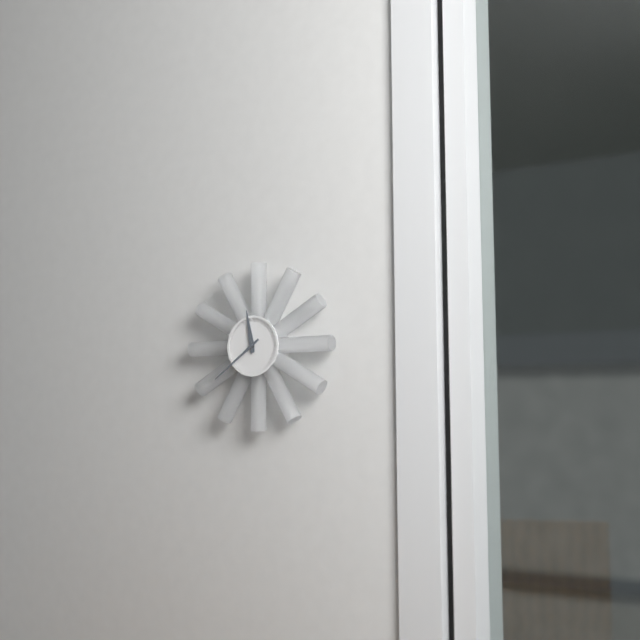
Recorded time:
11 h 39 min
